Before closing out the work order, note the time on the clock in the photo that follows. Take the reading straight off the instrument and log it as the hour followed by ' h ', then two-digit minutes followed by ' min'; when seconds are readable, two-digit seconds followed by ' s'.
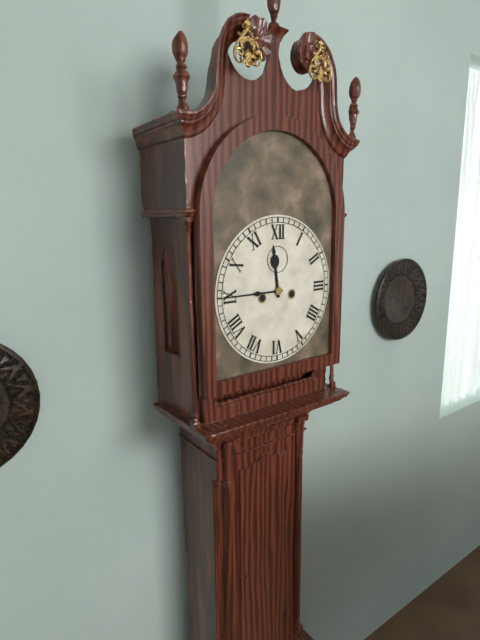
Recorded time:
11 h 45 min
